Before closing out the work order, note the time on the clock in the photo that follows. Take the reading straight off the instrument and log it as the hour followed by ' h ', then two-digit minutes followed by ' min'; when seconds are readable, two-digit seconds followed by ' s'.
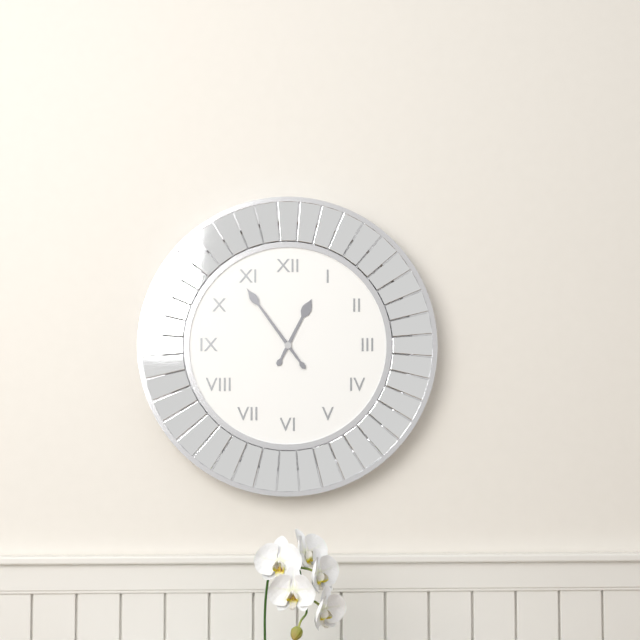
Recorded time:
12 h 54 min
